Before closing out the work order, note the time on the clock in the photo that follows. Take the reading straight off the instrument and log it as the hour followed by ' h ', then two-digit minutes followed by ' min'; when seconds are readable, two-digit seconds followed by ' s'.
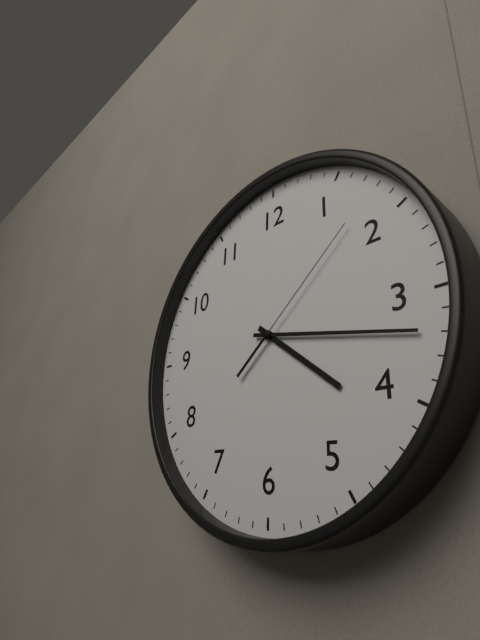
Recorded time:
4 h 17 min 08 s
